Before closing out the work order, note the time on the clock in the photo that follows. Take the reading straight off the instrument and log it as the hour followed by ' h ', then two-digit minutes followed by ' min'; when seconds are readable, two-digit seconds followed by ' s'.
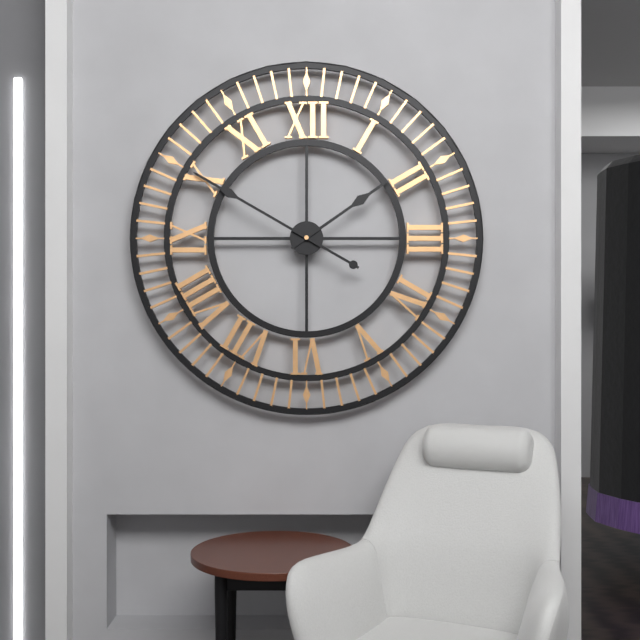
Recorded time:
1 h 50 min
